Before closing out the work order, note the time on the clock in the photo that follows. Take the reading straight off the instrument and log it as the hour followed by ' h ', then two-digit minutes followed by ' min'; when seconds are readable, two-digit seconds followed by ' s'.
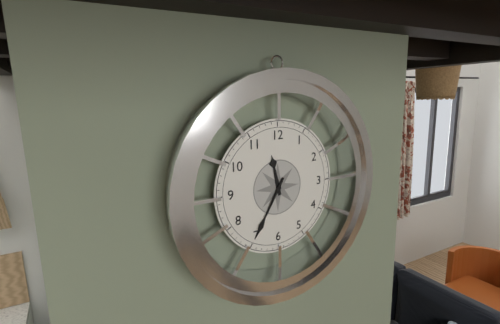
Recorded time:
11 h 35 min
